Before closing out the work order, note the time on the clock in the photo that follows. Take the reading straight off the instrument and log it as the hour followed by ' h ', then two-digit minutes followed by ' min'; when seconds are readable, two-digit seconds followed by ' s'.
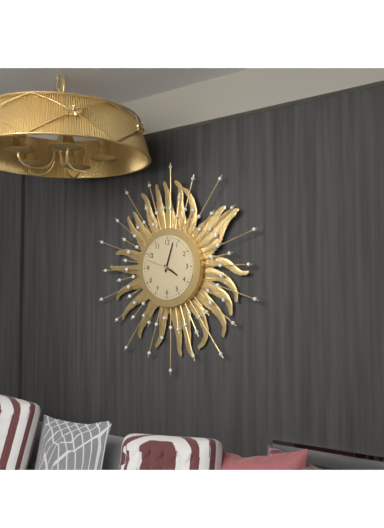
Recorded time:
4 h 03 min
